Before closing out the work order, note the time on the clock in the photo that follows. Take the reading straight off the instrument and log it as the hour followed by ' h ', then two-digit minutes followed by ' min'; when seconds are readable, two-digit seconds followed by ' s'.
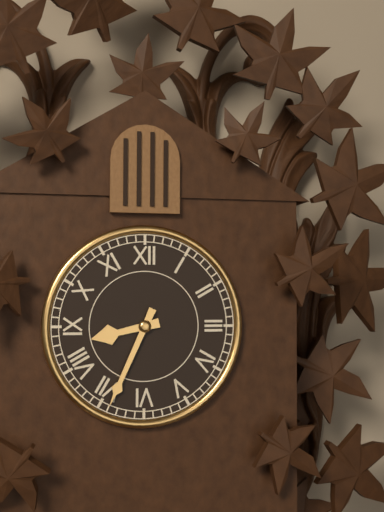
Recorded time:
8 h 34 min
